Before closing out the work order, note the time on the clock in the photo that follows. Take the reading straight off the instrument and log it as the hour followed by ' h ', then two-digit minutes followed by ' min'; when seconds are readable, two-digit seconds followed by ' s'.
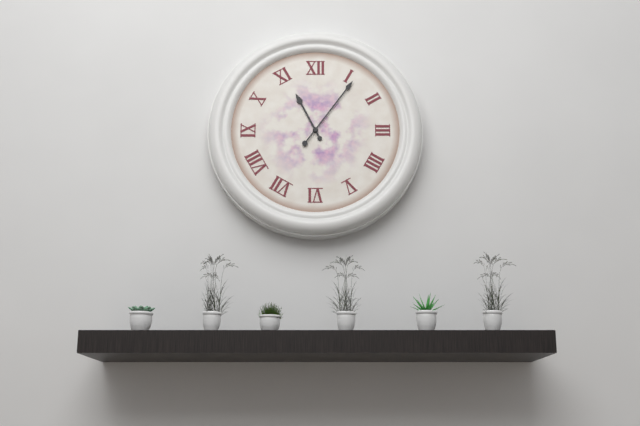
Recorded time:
11 h 06 min
